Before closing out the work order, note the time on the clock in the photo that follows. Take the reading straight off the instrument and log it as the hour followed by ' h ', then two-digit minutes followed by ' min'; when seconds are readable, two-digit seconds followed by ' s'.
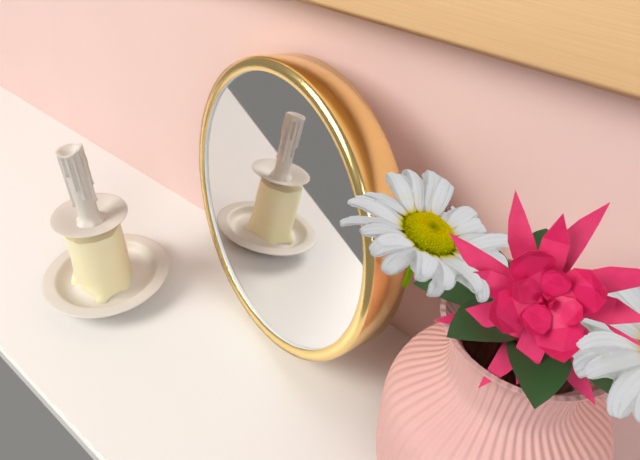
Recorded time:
4 h 37 min 24 s
